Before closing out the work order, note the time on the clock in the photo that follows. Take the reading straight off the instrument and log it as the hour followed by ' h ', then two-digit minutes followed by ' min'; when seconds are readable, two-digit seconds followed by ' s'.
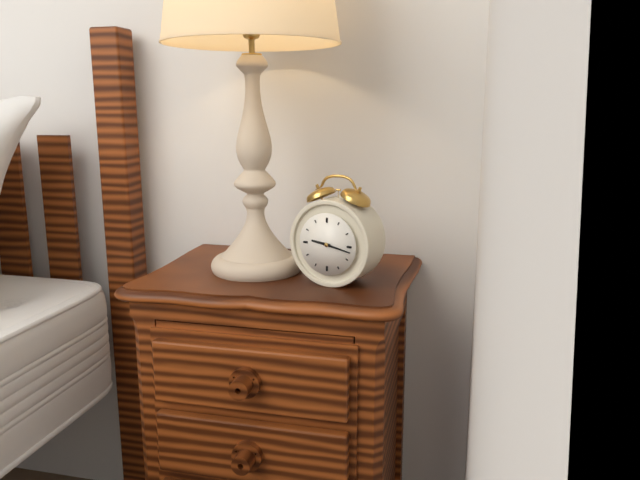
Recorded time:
9 h 17 min
